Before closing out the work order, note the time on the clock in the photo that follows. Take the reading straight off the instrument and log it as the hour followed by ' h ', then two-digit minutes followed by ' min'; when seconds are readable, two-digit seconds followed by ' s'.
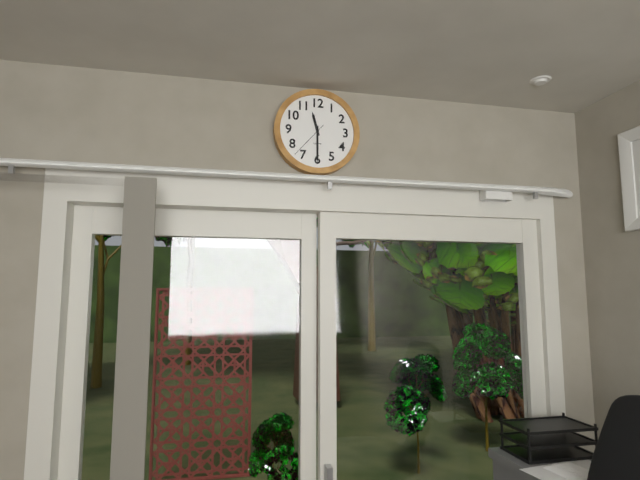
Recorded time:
11 h 30 min
